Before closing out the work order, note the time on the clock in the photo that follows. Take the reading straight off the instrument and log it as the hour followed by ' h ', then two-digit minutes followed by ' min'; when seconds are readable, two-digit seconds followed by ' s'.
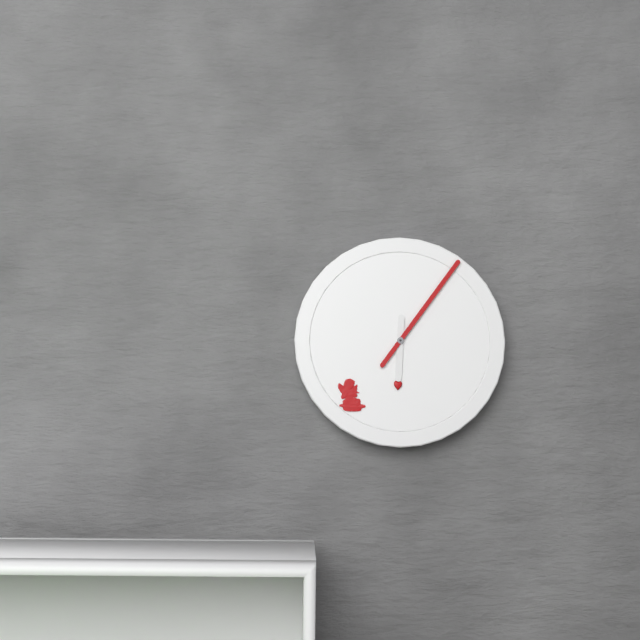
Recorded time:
6 h 06 min
